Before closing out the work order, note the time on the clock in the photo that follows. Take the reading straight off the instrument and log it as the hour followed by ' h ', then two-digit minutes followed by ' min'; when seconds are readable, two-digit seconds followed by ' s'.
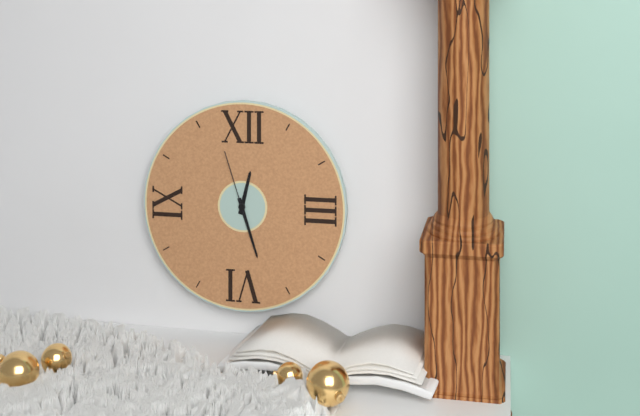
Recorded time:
12 h 27 min 57 s
